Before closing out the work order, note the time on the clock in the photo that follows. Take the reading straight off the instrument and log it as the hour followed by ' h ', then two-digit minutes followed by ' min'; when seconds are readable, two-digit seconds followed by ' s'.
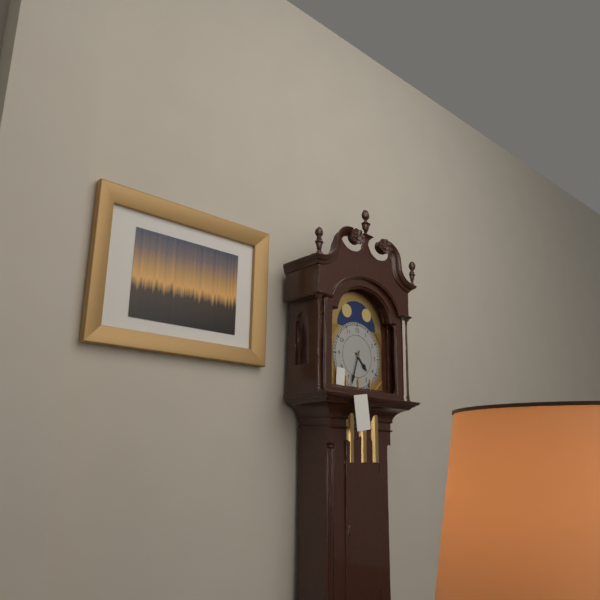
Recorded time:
4 h 33 min
